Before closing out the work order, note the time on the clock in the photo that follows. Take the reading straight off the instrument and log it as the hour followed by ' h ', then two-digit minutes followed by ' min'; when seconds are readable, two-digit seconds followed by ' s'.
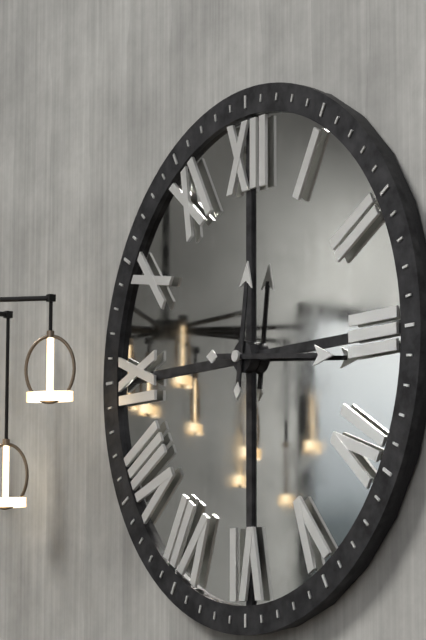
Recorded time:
12 h 16 min
